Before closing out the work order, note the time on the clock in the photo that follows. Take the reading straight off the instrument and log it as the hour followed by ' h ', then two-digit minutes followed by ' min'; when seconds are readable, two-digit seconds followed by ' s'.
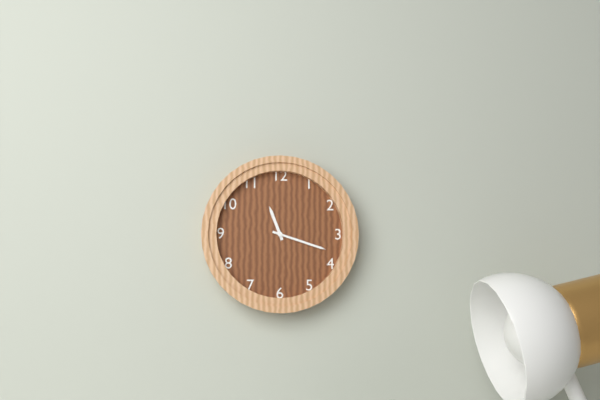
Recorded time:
11 h 18 min
